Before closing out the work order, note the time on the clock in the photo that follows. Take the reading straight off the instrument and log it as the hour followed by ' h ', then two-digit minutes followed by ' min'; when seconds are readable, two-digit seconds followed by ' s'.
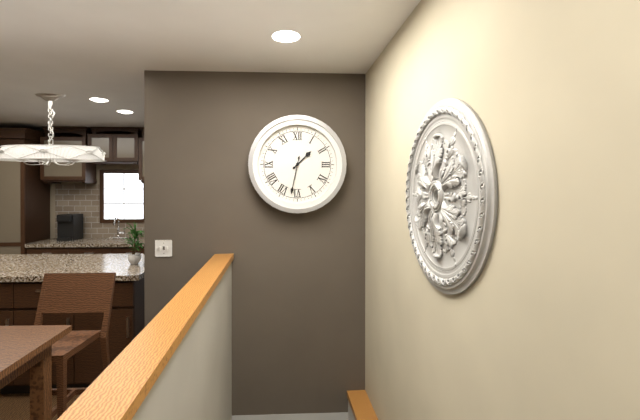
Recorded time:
1 h 32 min
